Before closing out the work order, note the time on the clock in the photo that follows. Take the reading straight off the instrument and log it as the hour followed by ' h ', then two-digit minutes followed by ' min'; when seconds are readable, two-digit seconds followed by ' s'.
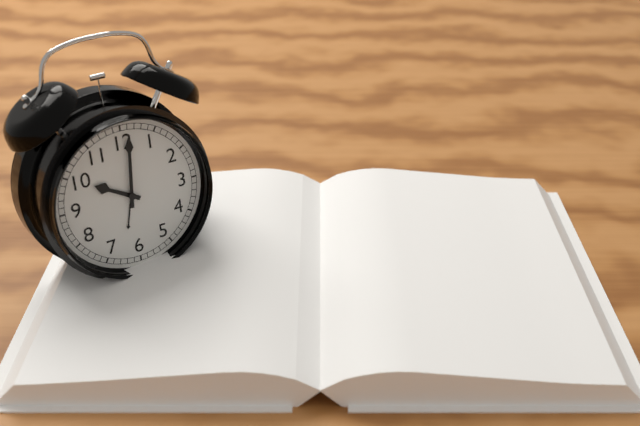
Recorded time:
10 h 01 min
